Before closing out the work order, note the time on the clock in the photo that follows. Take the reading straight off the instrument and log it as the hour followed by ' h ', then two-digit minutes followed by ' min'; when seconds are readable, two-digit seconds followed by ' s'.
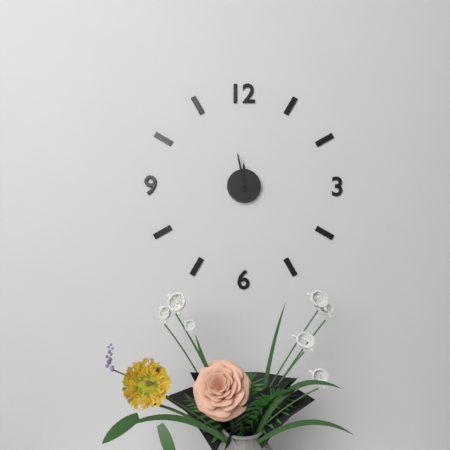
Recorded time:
11 h 58 min
